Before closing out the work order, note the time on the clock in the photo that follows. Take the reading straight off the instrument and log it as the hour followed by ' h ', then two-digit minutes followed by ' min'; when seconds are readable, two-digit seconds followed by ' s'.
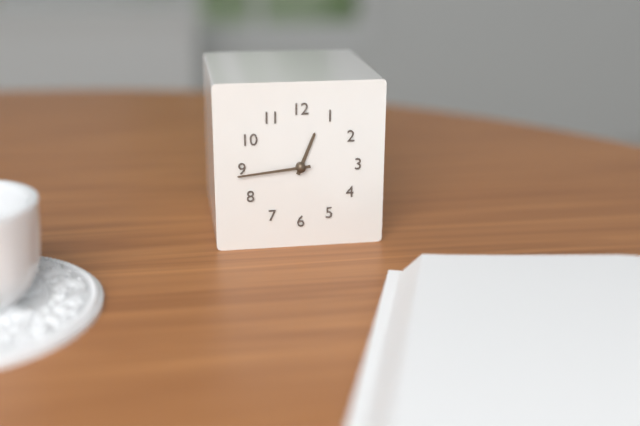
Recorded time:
12 h 44 min
